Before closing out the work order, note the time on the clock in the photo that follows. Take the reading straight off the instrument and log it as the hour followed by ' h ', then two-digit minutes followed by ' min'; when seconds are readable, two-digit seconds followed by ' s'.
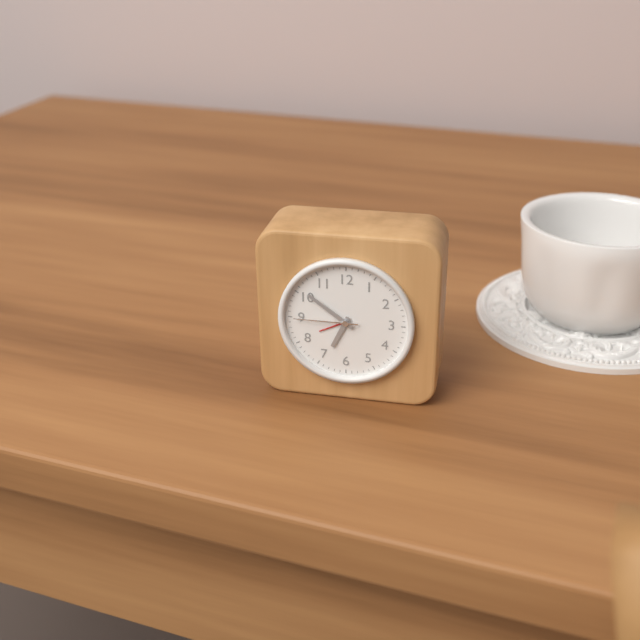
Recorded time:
6 h 51 min 45 s
